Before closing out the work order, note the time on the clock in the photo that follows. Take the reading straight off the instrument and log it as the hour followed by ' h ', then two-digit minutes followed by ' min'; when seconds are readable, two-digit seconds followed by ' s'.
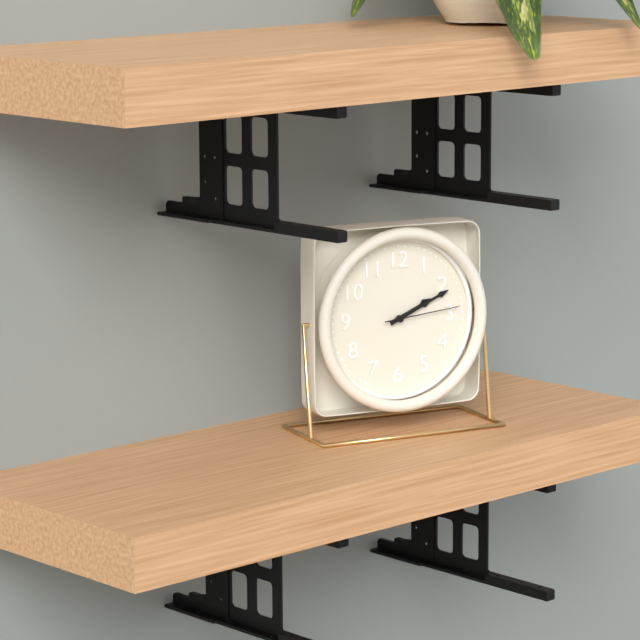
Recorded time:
2 h 11 min 14 s
